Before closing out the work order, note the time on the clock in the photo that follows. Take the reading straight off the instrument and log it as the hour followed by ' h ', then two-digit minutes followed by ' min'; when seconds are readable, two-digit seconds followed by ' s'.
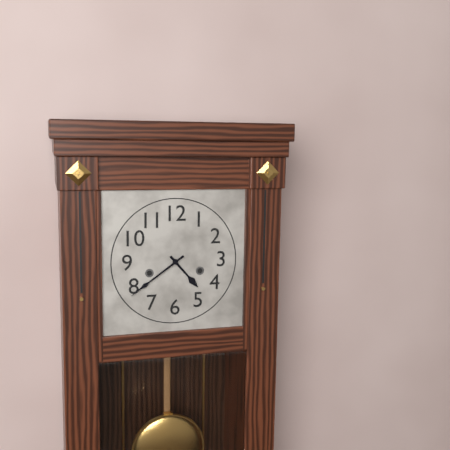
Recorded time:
4 h 39 min
